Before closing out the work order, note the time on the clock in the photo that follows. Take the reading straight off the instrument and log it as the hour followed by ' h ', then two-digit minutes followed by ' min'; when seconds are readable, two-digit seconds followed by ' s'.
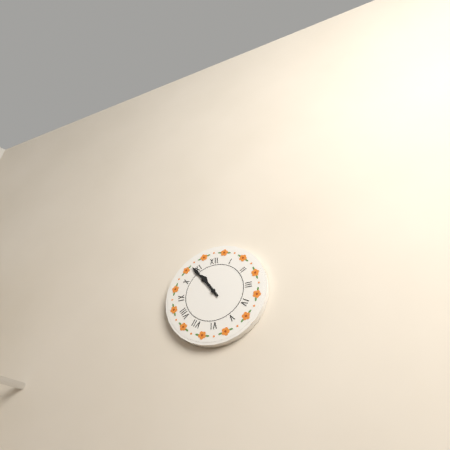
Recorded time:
10 h 54 min
